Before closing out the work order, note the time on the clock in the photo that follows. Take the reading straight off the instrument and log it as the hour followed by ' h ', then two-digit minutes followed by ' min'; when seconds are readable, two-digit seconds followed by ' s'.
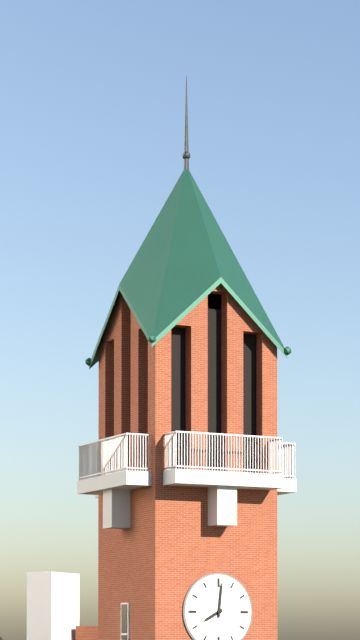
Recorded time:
8 h 01 min
